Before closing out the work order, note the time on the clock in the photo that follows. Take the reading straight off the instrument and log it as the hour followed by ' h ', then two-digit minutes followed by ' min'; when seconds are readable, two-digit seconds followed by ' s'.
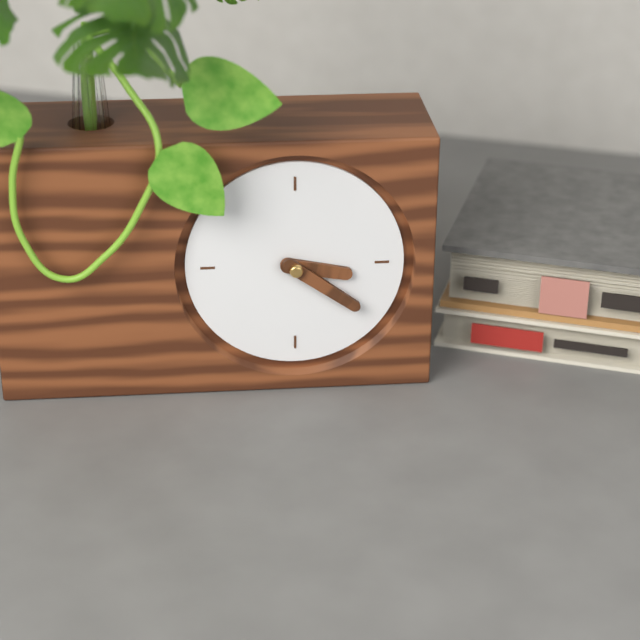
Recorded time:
3 h 21 min
